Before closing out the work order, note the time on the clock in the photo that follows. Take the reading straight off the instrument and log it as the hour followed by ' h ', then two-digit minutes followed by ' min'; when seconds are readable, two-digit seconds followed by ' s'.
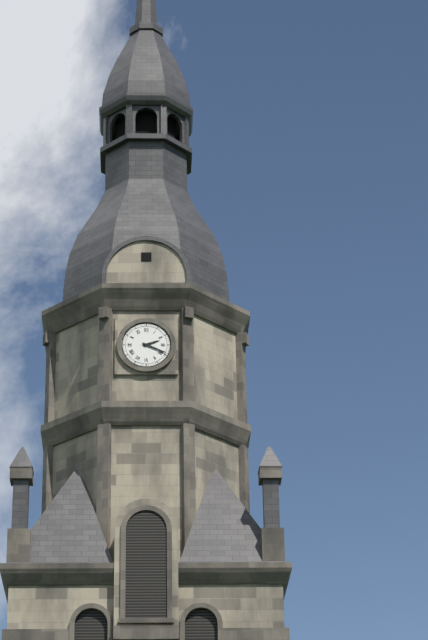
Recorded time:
2 h 19 min
